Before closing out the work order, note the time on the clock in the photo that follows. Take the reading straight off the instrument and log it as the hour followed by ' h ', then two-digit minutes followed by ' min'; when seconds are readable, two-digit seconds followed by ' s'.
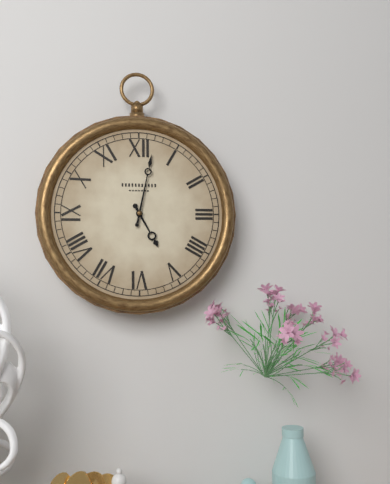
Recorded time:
5 h 02 min
